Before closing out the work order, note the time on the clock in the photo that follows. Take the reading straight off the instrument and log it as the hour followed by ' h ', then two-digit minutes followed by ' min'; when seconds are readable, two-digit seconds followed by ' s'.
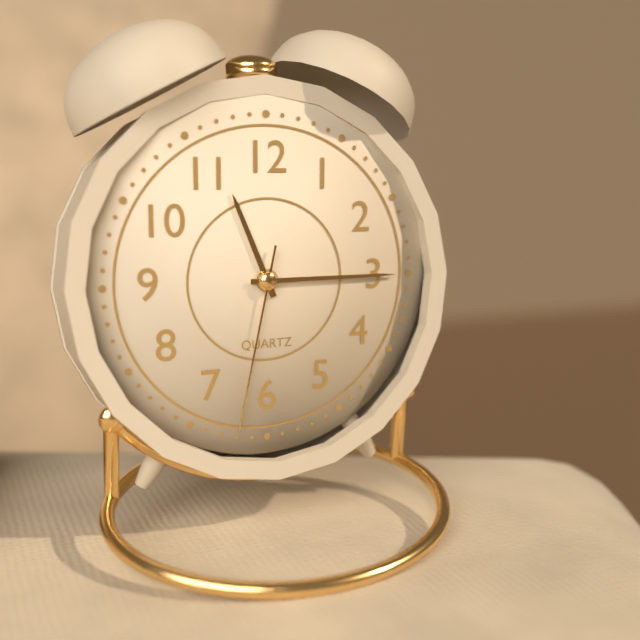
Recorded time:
11 h 15 min 32 s
